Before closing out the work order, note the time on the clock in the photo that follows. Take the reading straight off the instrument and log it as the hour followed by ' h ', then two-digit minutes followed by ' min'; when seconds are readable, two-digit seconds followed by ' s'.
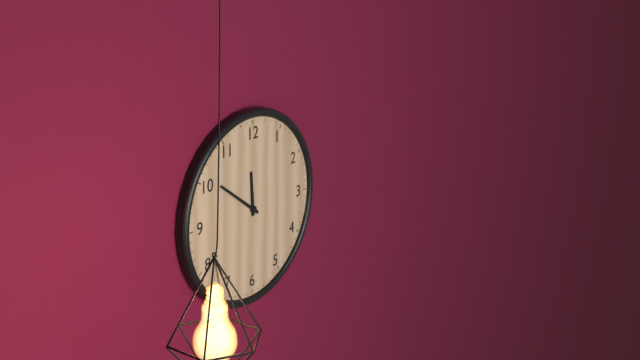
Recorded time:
11 h 51 min
